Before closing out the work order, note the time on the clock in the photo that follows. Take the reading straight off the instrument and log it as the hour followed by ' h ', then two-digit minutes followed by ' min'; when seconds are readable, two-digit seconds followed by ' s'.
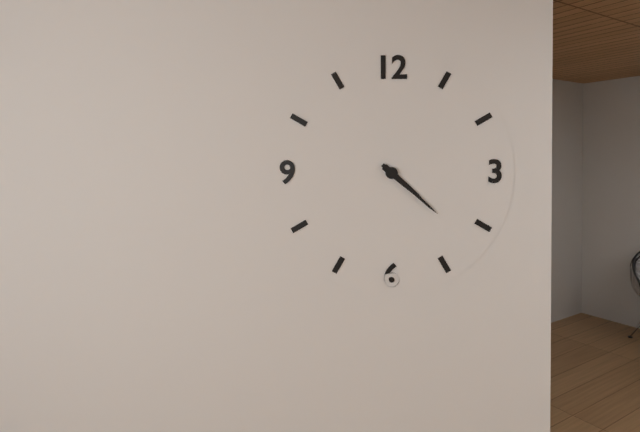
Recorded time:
4 h 22 min
